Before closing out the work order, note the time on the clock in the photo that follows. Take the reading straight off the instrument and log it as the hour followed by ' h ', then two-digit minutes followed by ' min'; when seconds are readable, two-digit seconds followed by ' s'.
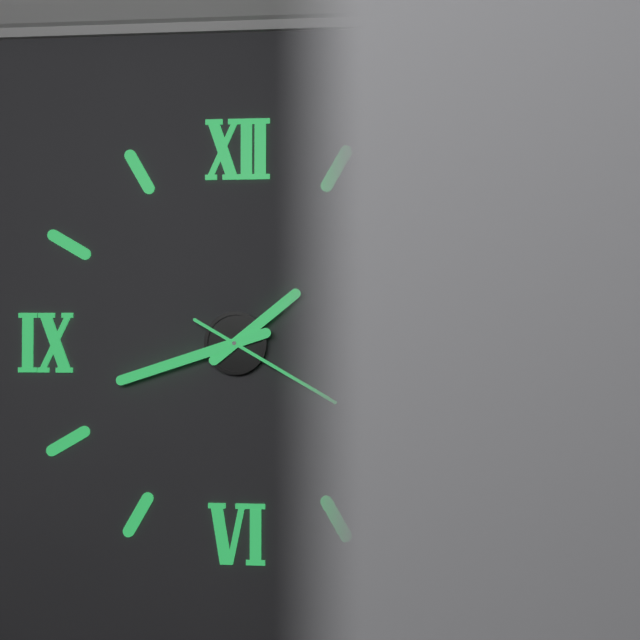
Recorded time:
1 h 42 min 20 s
